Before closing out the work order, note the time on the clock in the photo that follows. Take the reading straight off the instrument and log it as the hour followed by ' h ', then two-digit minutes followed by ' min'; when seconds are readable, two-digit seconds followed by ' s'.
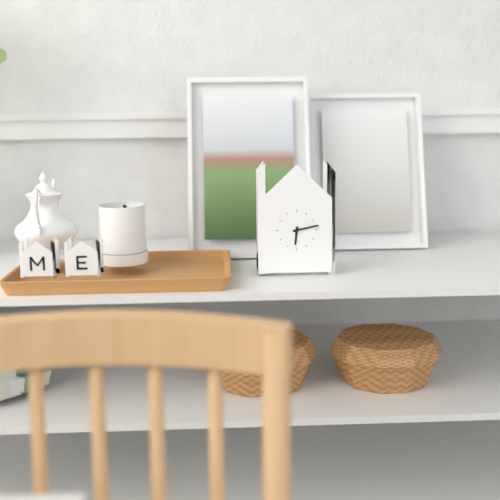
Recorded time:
6 h 13 min
